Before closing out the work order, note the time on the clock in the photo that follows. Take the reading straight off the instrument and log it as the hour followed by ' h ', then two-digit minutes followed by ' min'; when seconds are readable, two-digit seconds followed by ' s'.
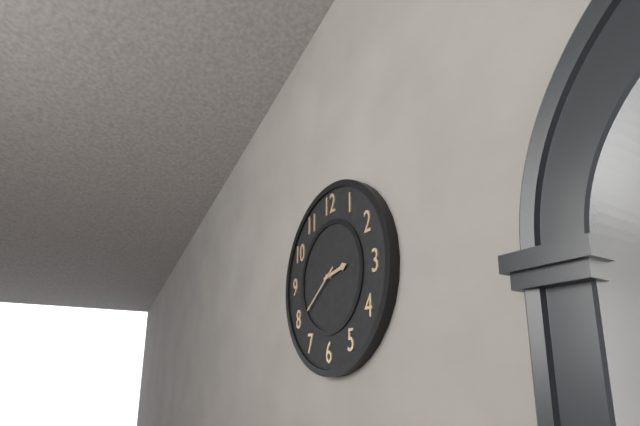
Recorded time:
2 h 39 min
